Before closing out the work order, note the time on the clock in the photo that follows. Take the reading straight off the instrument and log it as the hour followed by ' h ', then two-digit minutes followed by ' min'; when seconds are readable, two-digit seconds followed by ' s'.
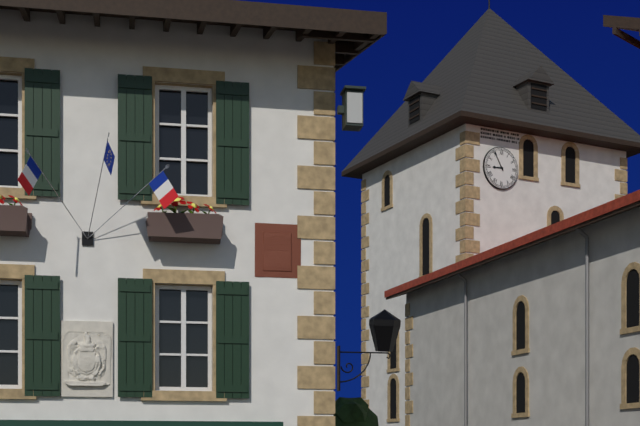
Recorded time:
8 h 55 min
